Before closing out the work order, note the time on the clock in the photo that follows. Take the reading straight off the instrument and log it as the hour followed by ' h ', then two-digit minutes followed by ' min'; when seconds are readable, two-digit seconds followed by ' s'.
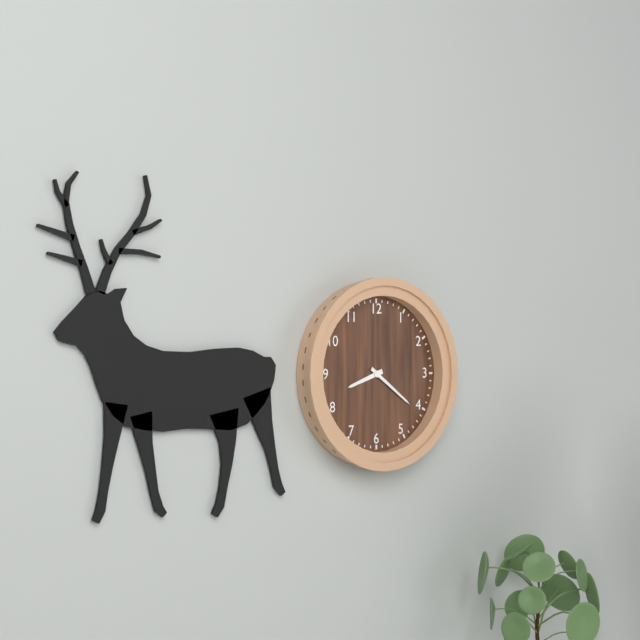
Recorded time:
8 h 21 min
